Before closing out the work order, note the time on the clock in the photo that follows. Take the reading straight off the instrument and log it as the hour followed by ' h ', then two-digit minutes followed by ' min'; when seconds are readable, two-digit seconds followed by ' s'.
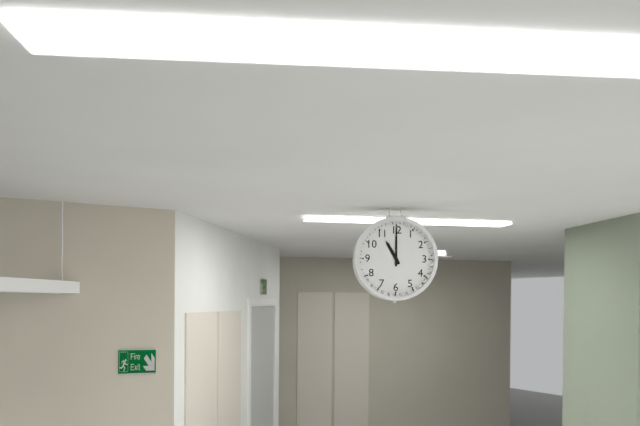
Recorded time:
11 h 00 min
